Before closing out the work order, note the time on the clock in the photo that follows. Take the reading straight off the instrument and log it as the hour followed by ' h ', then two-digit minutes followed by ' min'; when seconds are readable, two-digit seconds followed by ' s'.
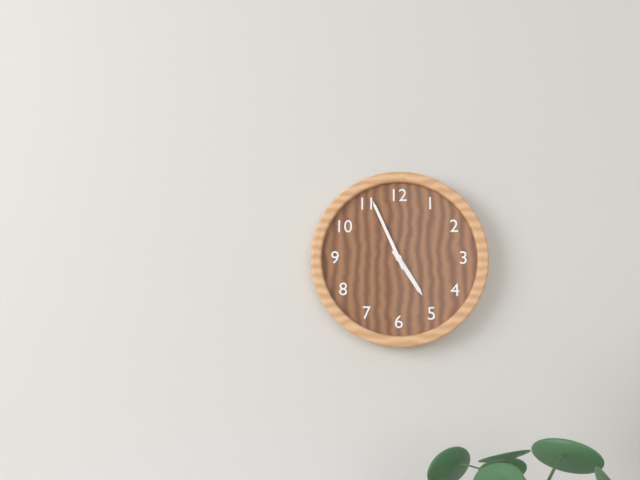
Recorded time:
4 h 56 min
